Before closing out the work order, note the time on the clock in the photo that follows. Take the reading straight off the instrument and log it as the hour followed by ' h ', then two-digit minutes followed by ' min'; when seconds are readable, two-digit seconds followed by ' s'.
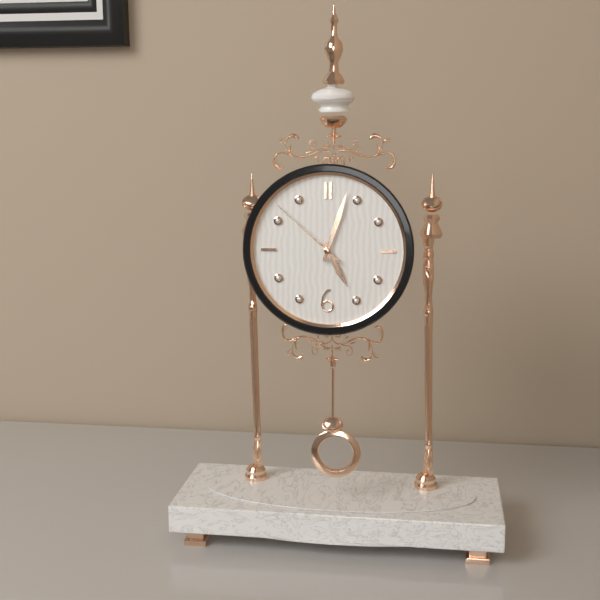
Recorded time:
5 h 03 min 52 s
